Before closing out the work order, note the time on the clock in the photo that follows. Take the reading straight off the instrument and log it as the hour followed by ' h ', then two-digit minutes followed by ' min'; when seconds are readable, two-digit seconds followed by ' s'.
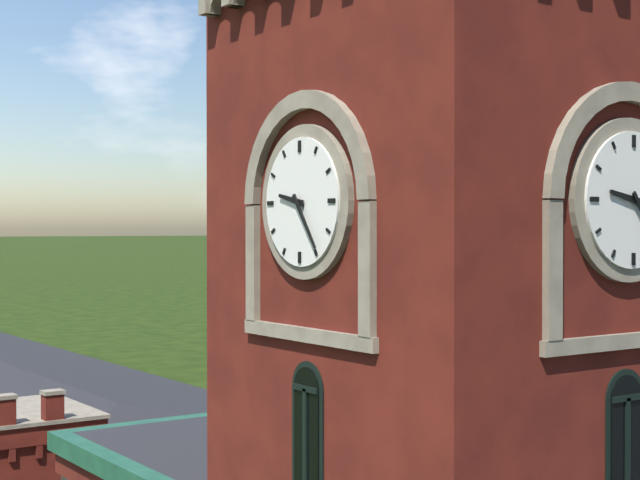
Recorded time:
9 h 24 min
